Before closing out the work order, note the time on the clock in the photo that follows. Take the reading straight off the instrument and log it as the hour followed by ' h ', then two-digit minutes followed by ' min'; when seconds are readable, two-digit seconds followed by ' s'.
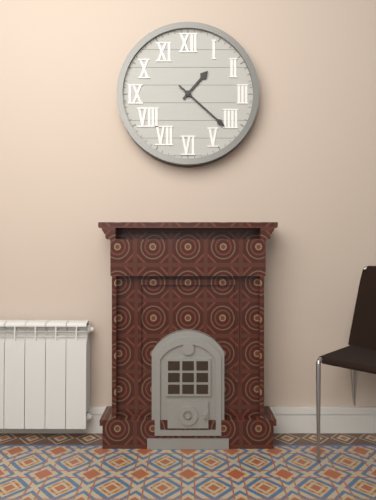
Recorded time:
1 h 22 min
